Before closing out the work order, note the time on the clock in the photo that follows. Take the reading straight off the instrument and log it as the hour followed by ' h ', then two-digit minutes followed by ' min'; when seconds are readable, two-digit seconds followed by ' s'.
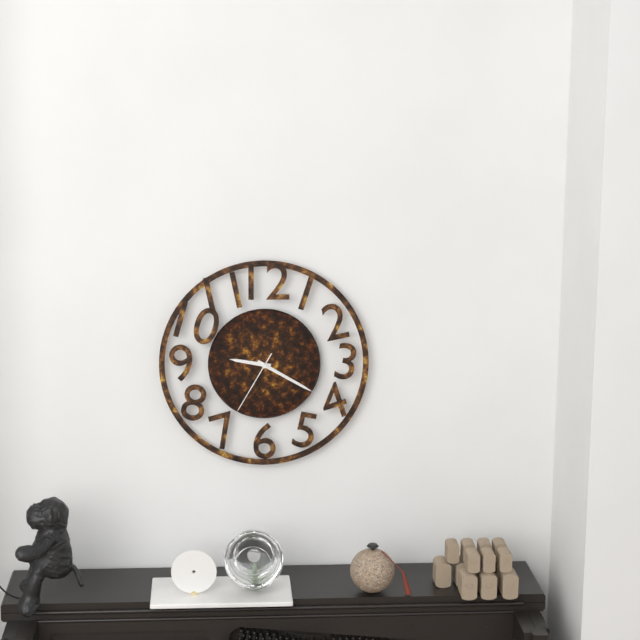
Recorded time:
9 h 20 min 35 s
